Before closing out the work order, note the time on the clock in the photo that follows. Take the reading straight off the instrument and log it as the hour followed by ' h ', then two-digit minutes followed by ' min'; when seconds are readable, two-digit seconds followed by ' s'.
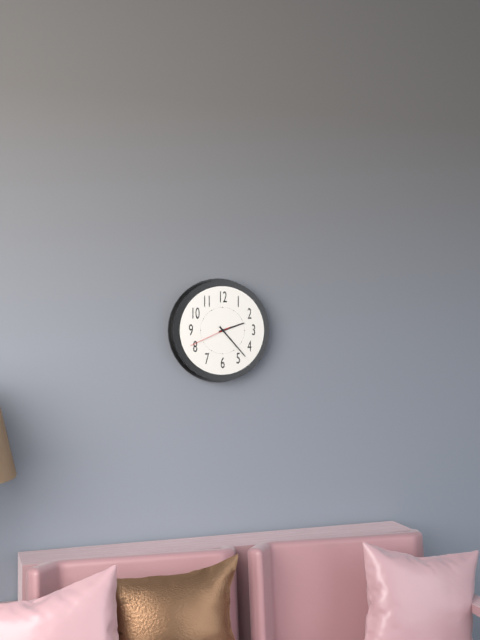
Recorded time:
2 h 23 min
